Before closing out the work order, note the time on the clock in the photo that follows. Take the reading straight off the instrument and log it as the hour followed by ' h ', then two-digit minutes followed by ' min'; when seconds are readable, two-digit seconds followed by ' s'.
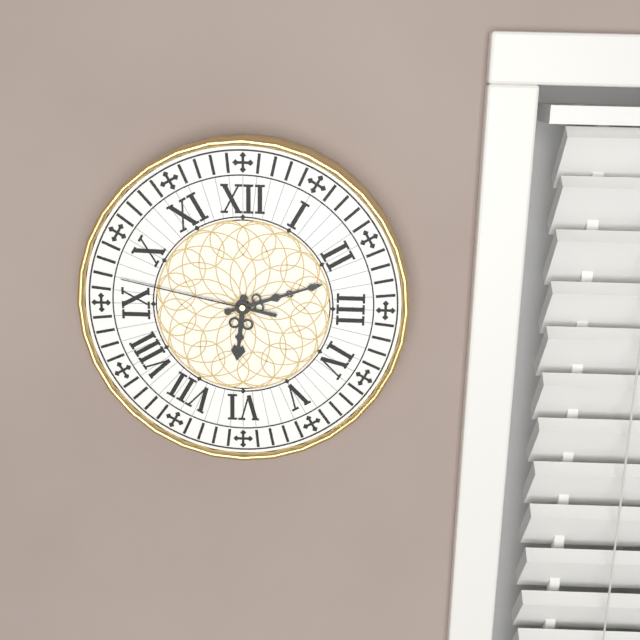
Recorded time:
6 h 12 min 47 s
